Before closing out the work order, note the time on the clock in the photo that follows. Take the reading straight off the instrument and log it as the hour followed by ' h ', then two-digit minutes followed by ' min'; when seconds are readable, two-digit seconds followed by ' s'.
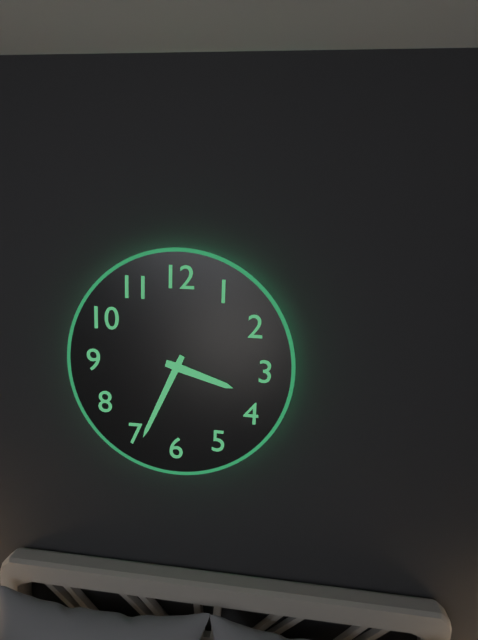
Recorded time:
3 h 34 min
